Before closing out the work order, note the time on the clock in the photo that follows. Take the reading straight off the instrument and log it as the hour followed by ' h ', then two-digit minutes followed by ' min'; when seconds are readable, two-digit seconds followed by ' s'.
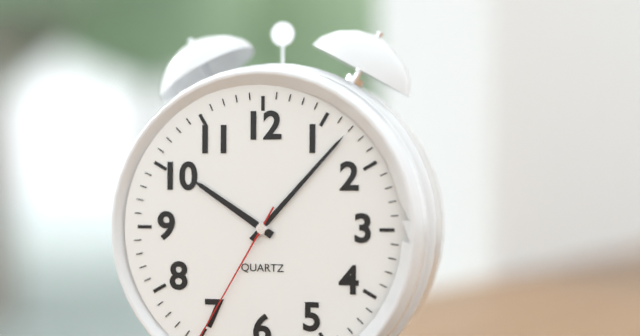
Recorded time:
10 h 07 min
